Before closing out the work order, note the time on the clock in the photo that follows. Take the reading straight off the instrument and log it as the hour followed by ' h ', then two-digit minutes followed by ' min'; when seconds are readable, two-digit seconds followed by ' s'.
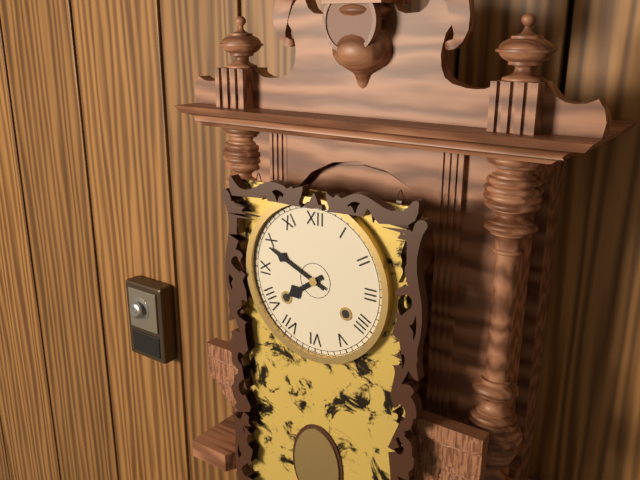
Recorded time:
7 h 49 min
